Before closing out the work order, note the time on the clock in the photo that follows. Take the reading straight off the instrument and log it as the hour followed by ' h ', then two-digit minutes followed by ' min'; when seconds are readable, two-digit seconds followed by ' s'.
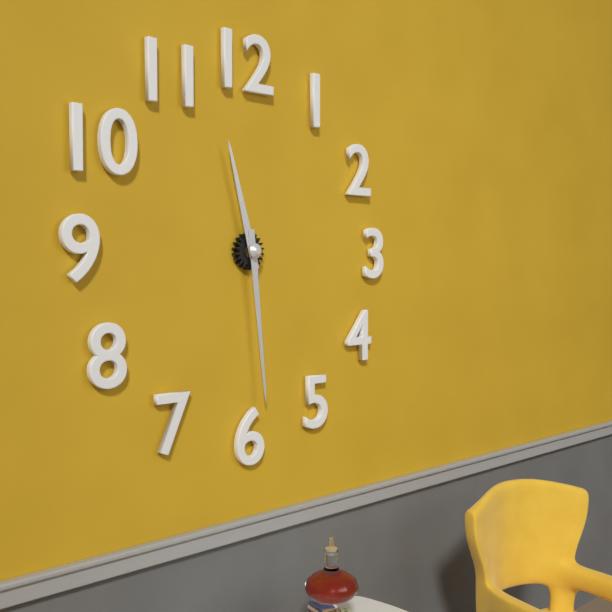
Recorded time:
11 h 29 min
